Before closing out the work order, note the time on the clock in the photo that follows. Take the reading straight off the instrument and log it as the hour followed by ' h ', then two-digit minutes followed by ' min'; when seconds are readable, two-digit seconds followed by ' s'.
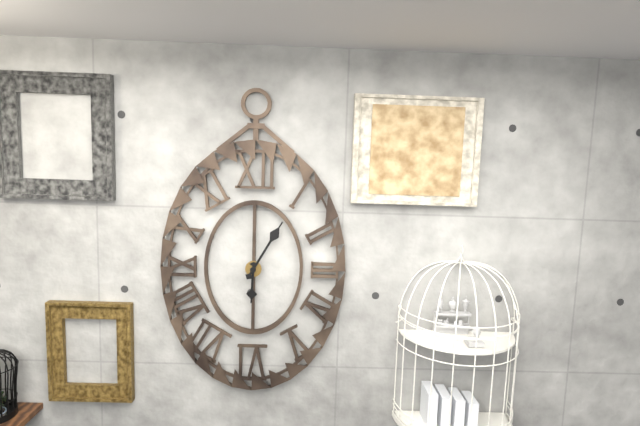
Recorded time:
6 h 05 min
